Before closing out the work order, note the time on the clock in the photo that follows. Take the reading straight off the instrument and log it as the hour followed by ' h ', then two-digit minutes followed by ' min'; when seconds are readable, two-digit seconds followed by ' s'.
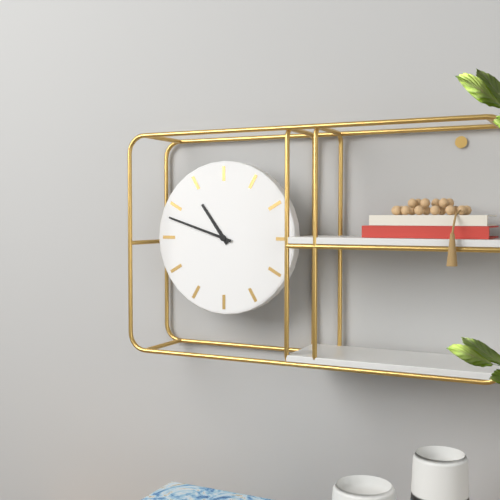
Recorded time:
10 h 48 min
